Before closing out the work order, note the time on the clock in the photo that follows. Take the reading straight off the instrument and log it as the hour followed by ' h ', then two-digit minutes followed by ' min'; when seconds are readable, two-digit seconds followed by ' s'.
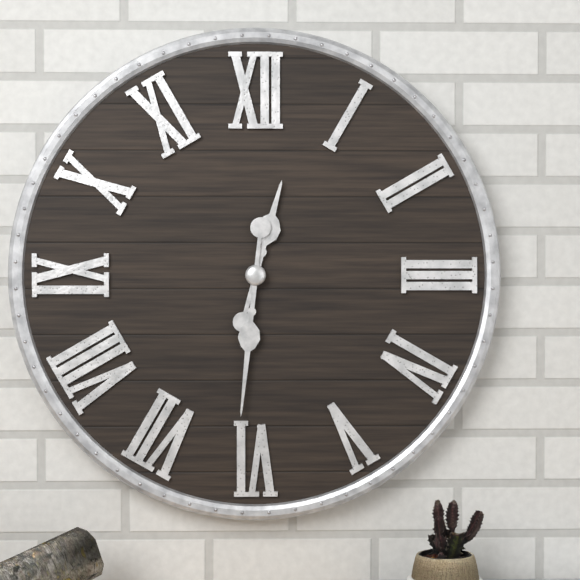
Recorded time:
12 h 31 min
